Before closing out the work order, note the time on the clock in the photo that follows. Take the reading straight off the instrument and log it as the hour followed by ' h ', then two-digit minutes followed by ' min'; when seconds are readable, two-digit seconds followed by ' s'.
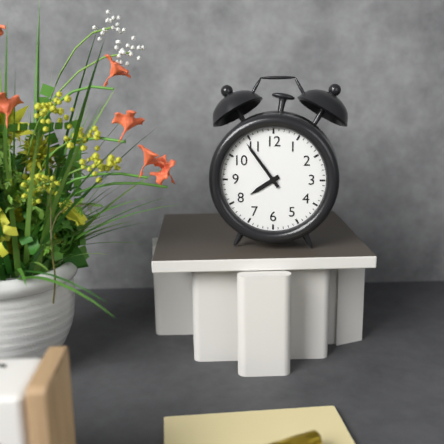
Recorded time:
7 h 54 min
